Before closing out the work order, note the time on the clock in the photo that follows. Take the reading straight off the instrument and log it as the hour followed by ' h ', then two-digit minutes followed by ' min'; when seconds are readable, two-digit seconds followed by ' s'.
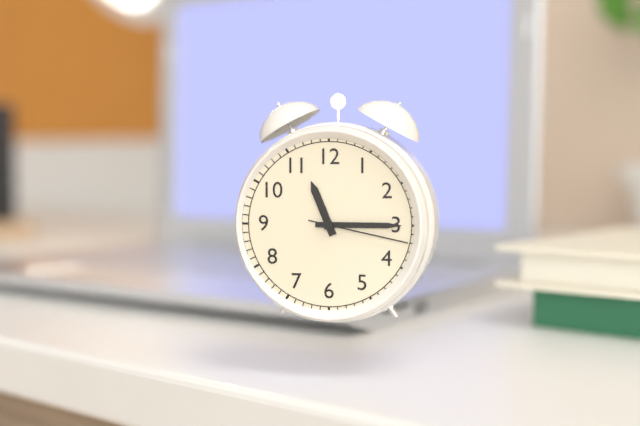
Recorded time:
11 h 15 min 17 s
